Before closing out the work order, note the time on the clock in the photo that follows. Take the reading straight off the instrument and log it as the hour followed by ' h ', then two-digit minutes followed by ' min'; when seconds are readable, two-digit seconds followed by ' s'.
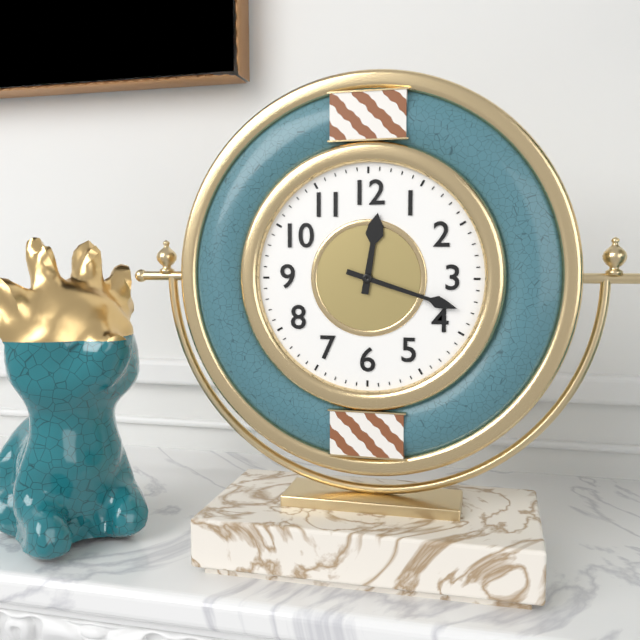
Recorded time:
12 h 18 min
